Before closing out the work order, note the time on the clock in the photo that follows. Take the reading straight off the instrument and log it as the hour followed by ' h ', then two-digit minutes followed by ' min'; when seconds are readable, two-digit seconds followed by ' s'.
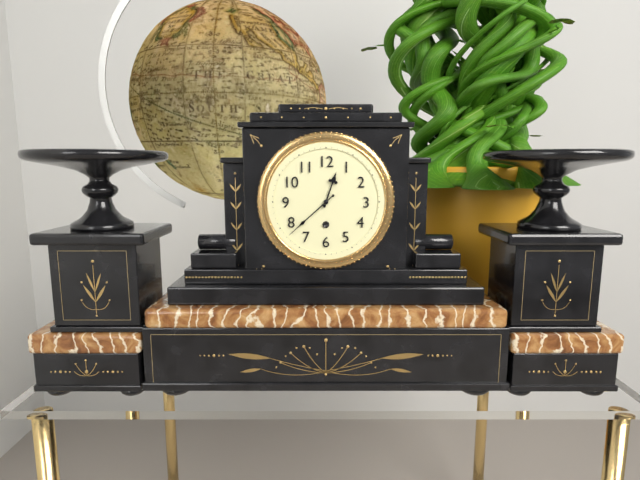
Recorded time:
12 h 38 min
